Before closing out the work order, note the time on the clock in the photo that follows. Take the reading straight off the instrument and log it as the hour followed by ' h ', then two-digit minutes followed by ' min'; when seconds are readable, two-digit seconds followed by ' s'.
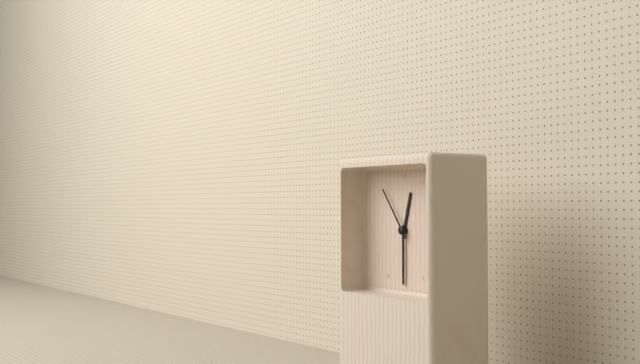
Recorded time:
12 h 30 min 54 s
